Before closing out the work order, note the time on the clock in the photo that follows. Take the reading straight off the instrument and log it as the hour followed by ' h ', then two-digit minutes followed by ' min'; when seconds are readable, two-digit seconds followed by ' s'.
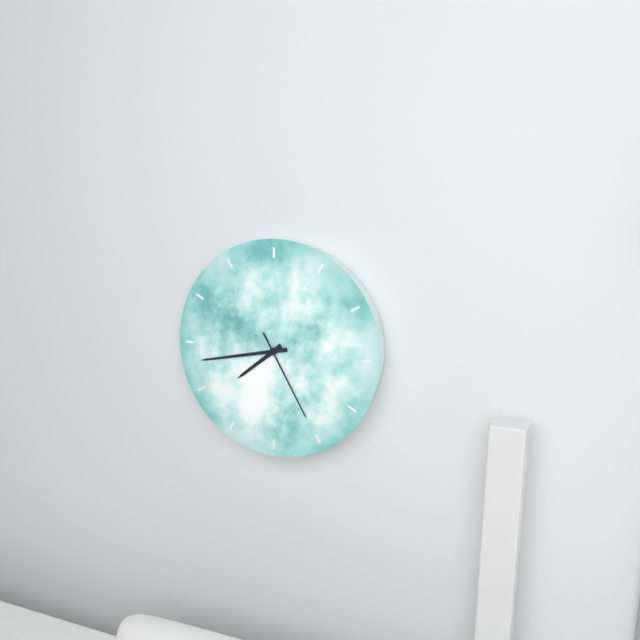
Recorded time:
7 h 43 min 25 s
